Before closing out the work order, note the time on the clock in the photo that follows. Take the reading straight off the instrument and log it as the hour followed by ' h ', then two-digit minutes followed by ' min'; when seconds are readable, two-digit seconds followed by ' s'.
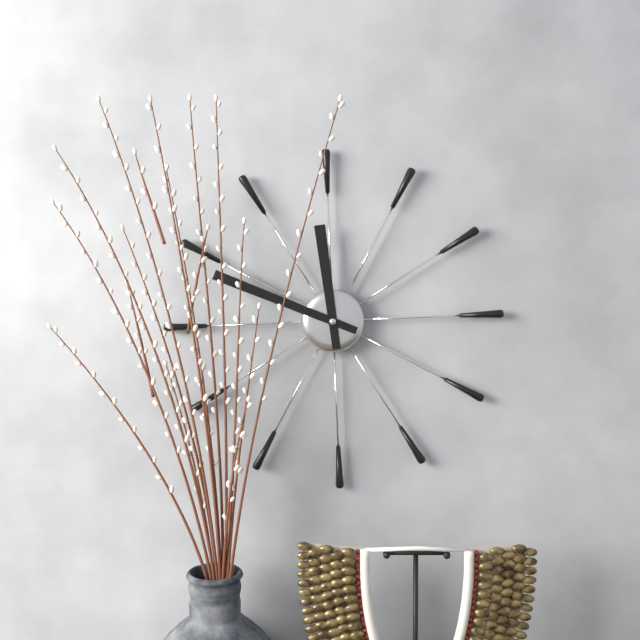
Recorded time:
11 h 49 min
